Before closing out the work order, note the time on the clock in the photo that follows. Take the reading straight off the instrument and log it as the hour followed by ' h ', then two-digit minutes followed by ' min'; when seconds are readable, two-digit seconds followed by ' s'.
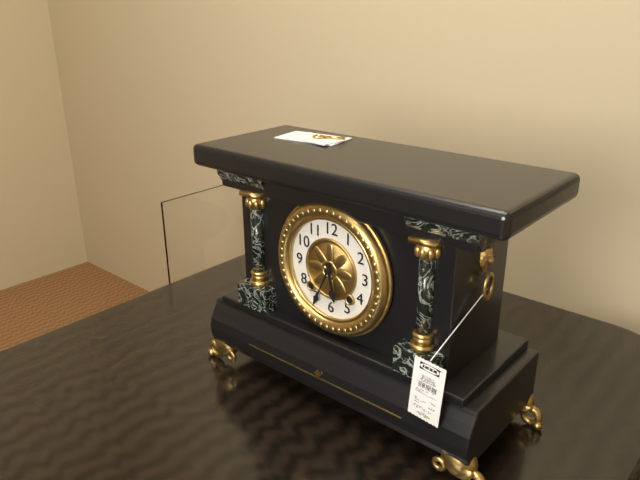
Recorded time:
5 h 34 min
